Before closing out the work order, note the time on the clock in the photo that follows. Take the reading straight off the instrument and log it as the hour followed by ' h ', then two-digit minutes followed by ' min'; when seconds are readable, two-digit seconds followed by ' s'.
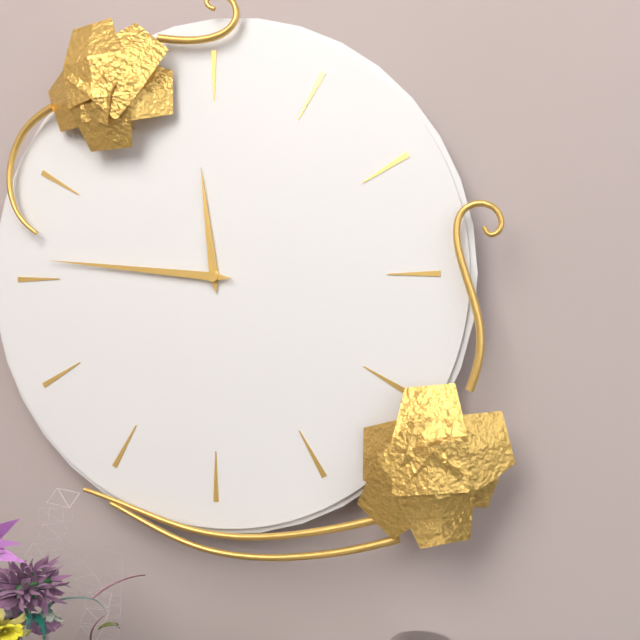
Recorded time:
11 h 46 min
